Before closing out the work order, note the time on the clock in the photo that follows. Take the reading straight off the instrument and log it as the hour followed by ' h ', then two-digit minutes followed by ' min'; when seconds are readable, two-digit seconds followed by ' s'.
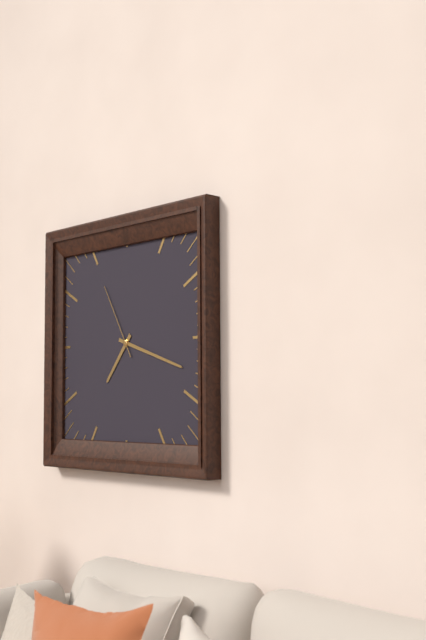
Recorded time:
7 h 18 min 55 s
